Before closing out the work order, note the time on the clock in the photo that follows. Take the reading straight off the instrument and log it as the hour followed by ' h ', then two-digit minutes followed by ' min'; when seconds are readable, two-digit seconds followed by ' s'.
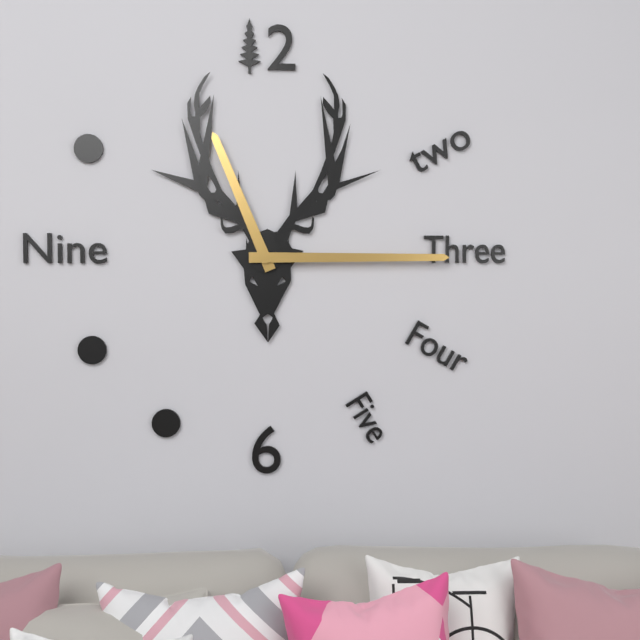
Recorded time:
11 h 15 min
